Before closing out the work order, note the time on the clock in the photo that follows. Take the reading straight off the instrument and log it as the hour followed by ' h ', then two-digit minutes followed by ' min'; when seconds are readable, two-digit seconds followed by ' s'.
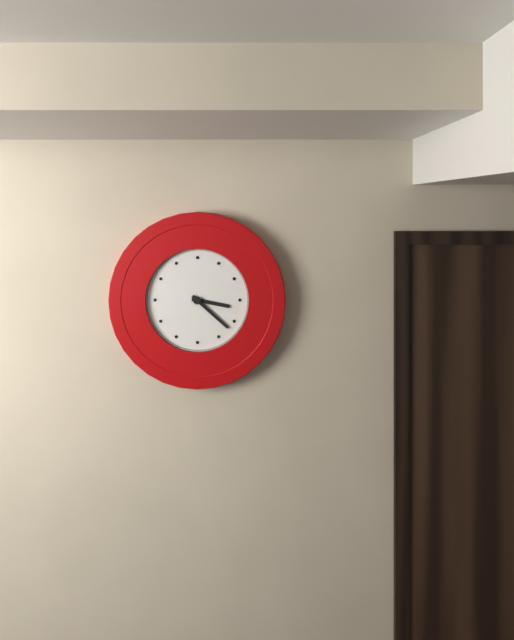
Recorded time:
3 h 22 min
